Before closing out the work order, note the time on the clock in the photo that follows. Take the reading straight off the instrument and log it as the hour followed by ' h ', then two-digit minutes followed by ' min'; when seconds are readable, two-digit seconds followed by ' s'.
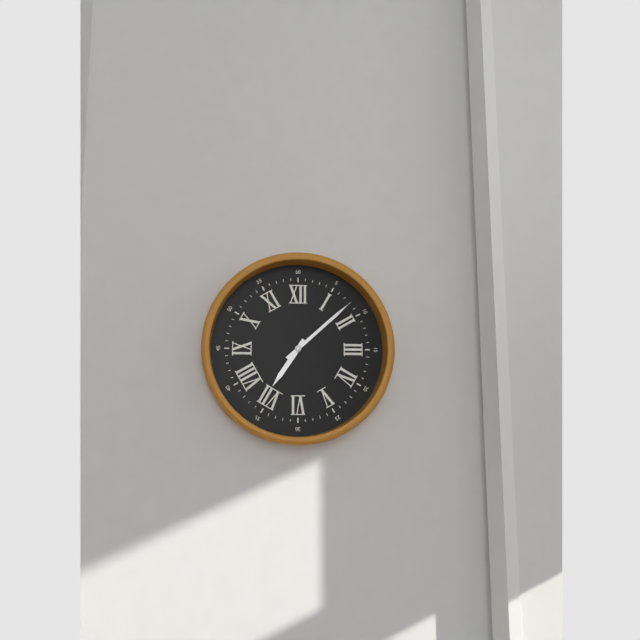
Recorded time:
7 h 08 min
